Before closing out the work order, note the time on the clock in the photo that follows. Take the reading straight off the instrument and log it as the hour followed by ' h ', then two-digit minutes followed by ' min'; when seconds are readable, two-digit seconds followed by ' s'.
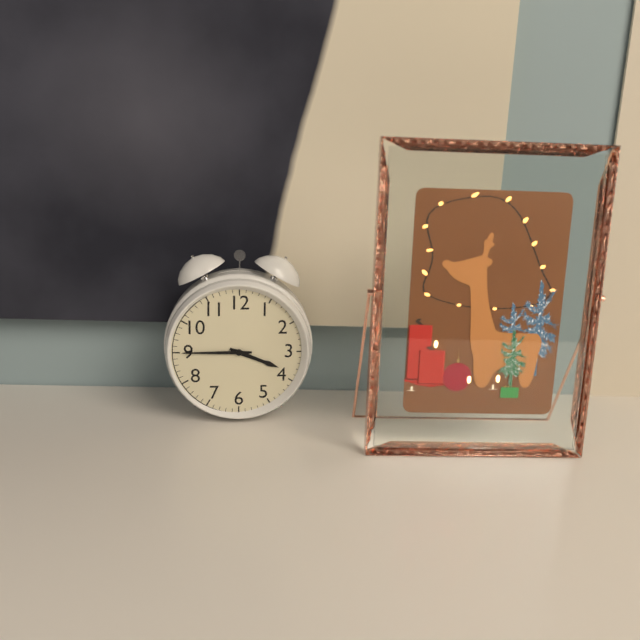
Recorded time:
3 h 45 min
